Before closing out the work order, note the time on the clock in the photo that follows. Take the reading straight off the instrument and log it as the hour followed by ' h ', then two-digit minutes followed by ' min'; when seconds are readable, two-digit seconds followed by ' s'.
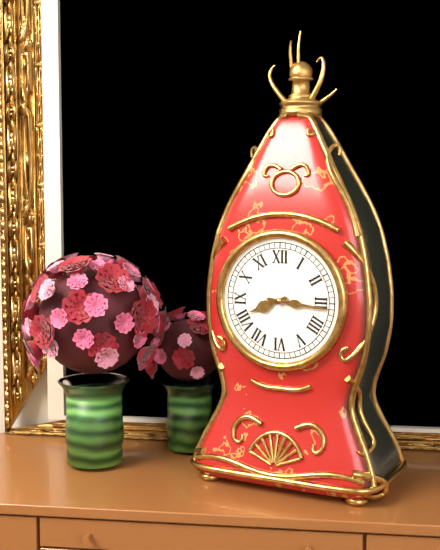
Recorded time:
8 h 16 min
